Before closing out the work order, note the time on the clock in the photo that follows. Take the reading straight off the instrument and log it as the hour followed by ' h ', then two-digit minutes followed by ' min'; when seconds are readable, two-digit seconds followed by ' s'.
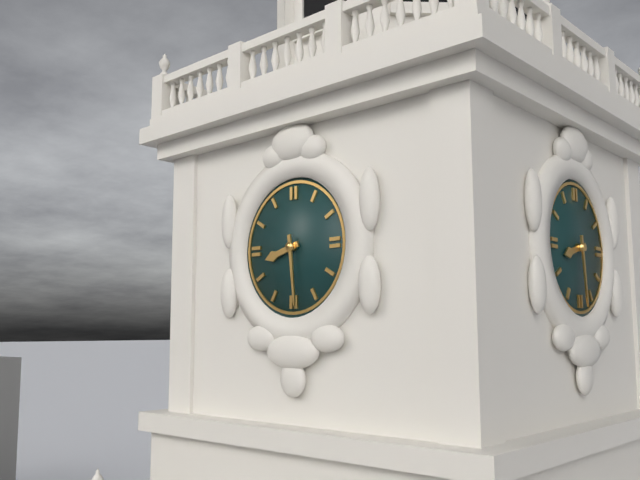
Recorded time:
8 h 29 min
